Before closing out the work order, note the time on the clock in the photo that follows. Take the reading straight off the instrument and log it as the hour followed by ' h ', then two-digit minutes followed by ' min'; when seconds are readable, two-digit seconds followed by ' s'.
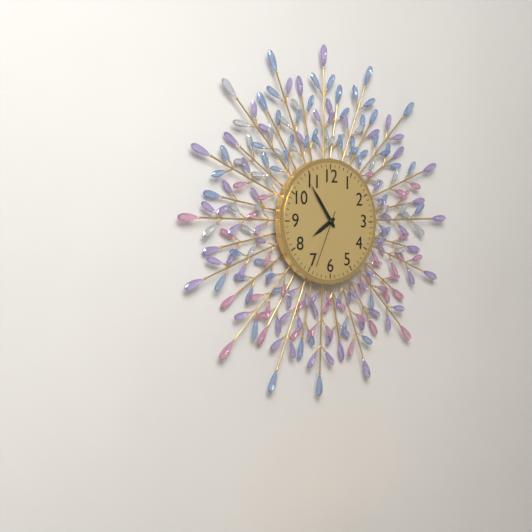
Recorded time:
7 h 54 min 34 s
